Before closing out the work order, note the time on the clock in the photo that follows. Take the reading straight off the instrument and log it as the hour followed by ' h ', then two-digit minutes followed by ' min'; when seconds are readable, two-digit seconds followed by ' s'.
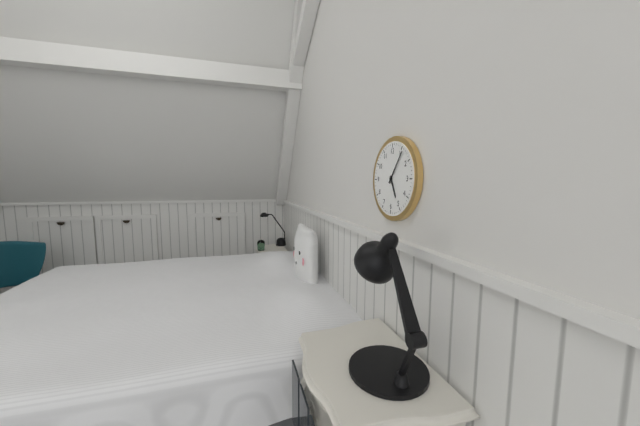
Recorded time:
5 h 06 min
